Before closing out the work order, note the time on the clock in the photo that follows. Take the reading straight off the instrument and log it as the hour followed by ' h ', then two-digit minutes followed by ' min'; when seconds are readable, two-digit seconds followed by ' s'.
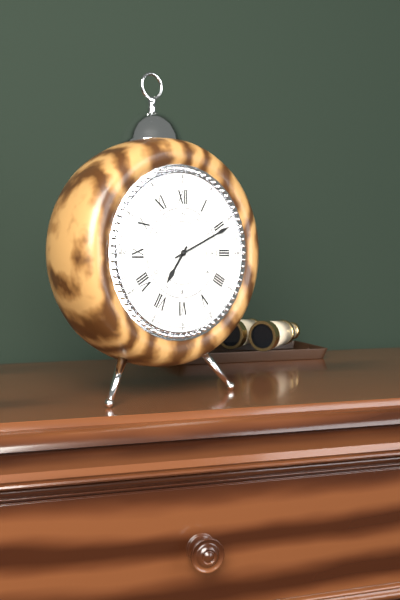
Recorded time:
7 h 11 min
